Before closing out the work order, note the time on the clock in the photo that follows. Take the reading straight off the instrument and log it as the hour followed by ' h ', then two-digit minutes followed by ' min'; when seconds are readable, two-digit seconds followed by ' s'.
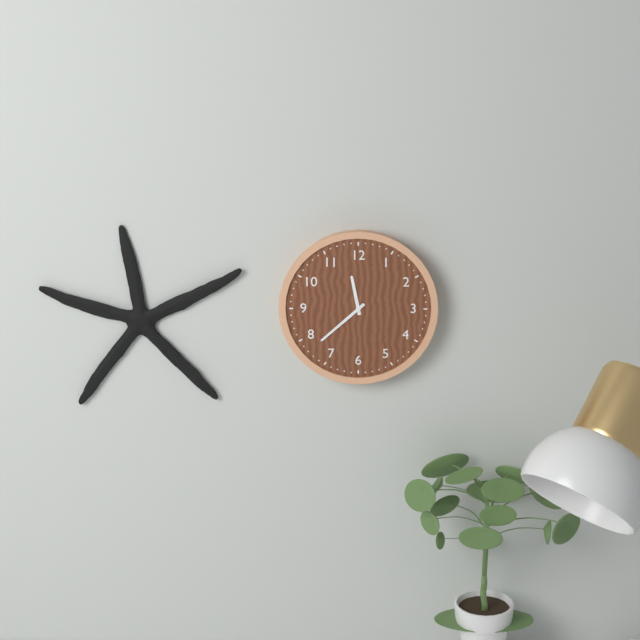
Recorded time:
11 h 38 min
